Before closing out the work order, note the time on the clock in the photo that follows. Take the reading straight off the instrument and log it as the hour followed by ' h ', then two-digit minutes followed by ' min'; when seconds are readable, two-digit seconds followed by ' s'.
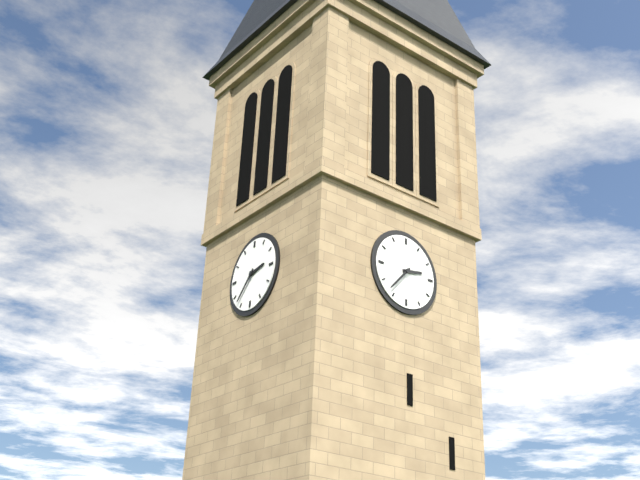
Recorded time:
2 h 37 min
